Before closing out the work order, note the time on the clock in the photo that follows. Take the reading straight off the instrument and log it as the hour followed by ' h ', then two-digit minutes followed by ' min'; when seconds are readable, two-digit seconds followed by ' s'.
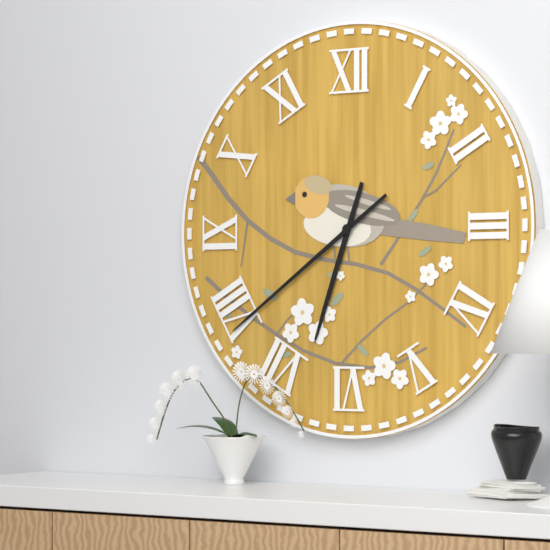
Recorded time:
6 h 39 min
